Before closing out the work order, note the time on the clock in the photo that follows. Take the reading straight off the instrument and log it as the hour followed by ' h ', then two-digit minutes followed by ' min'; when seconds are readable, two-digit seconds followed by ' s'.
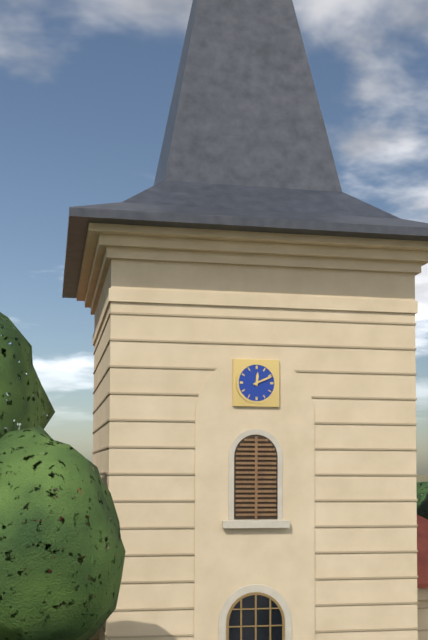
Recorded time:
12 h 11 min
